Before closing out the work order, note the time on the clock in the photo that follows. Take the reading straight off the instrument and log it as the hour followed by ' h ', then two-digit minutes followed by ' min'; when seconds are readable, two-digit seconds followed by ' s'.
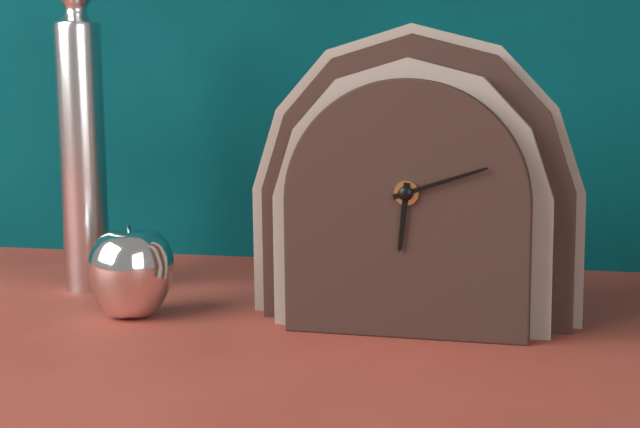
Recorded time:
6 h 12 min
